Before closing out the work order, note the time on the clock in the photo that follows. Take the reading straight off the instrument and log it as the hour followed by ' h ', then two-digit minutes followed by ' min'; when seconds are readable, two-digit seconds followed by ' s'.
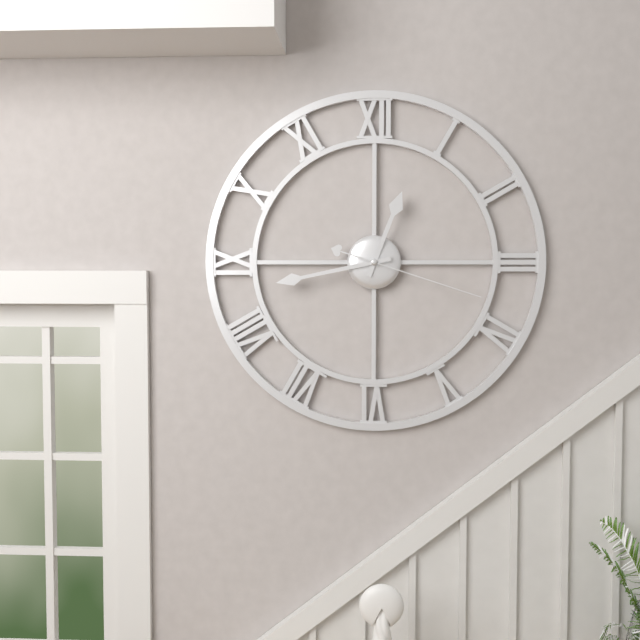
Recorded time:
12 h 43 min 18 s
